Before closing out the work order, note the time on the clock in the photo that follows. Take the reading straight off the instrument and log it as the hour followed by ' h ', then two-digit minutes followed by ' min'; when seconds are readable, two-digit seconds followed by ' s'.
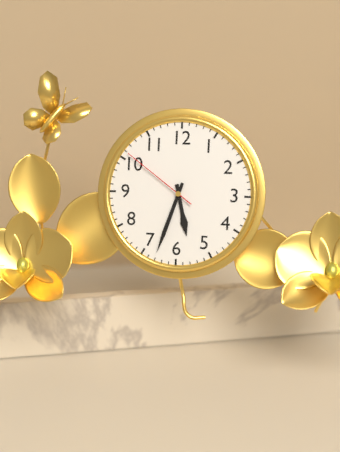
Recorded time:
5 h 33 min 51 s
